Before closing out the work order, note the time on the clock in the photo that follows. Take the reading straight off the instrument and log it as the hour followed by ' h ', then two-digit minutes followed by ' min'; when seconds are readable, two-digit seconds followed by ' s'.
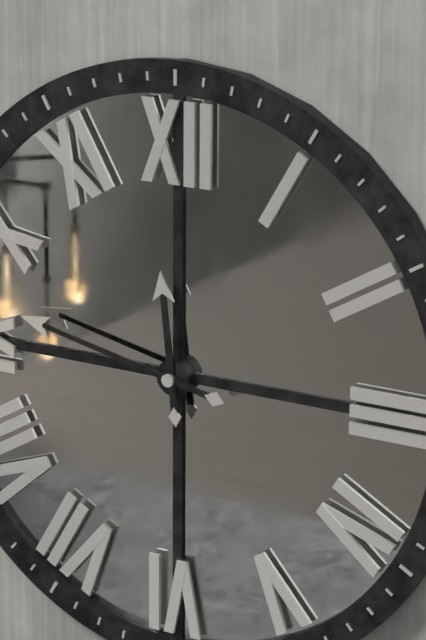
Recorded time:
11 h 47 min
